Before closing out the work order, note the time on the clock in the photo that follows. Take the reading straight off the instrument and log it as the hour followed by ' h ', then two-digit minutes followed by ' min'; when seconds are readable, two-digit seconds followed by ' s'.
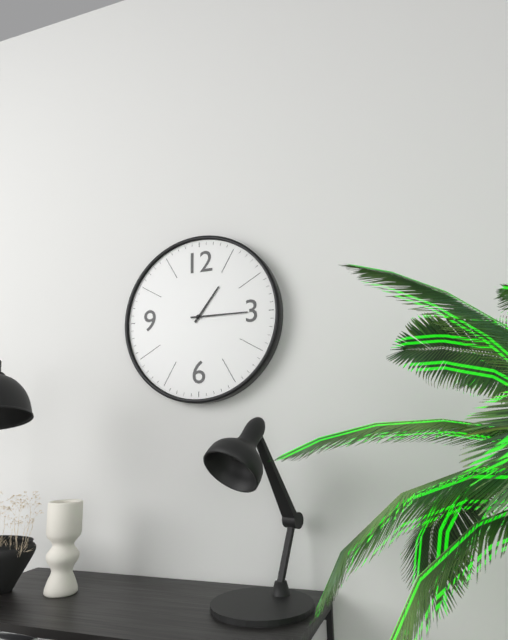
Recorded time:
1 h 15 min
